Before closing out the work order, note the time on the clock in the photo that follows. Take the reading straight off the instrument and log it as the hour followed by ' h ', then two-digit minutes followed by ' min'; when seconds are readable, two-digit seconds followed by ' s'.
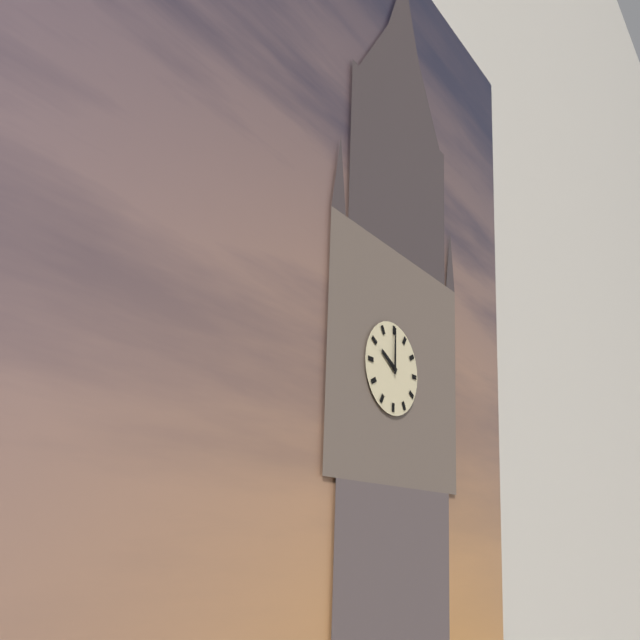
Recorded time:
10 h 00 min
